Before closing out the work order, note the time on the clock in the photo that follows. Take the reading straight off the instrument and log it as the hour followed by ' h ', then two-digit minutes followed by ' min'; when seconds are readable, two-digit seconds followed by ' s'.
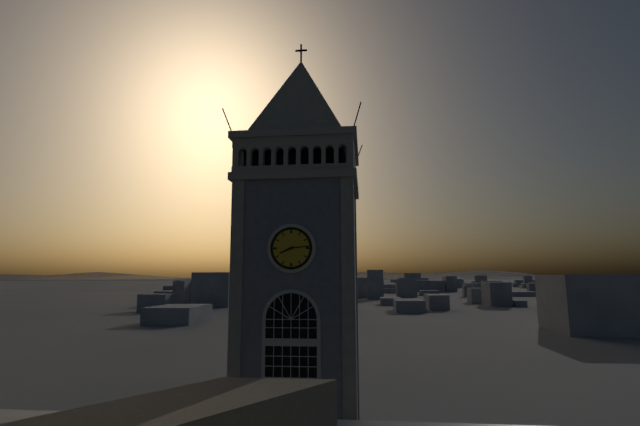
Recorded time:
8 h 14 min
